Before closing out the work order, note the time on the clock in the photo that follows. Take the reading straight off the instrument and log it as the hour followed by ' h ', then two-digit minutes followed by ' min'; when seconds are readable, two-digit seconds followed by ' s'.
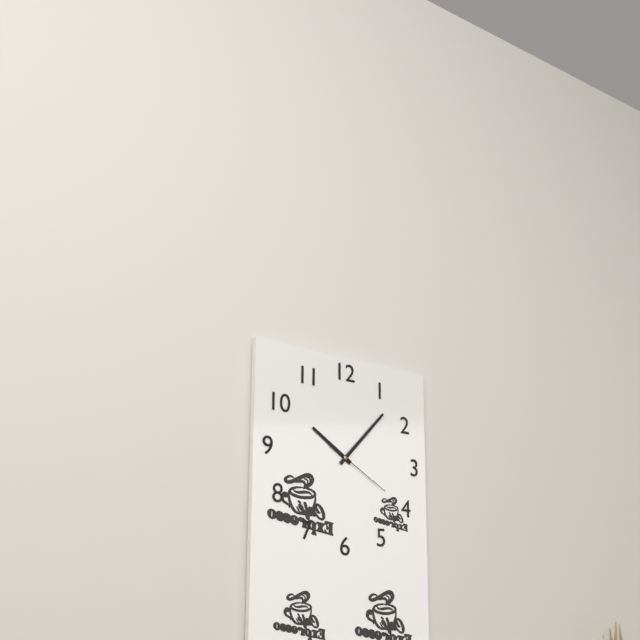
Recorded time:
10 h 07 min 20 s
